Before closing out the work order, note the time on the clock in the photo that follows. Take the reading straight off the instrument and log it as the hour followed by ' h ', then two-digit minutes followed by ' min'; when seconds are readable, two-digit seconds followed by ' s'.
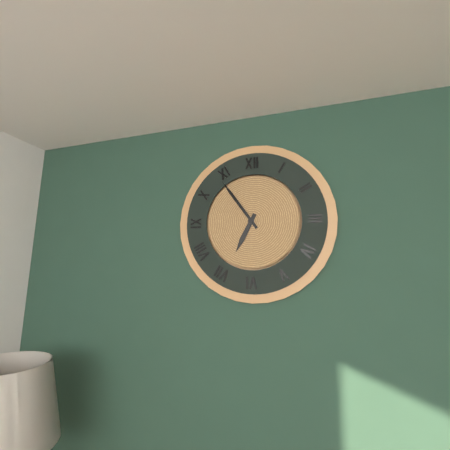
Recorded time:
6 h 54 min
